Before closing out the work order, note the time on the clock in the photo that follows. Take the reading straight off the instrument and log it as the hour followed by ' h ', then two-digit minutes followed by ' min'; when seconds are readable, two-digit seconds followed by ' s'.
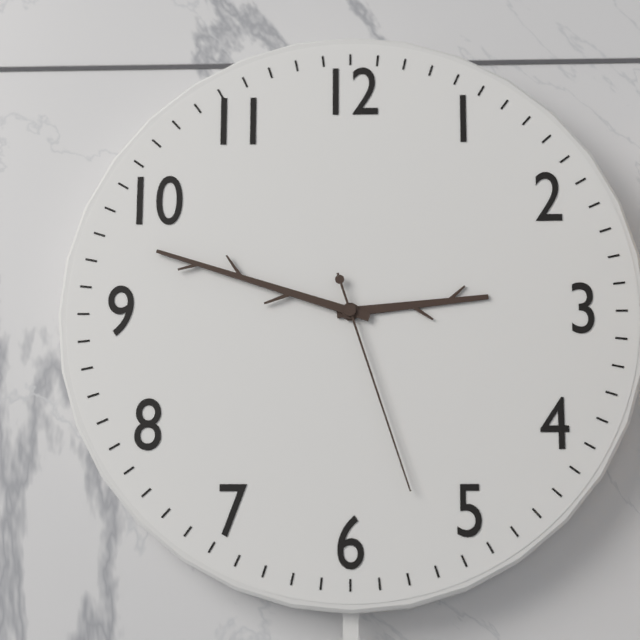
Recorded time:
2 h 48 min 27 s
